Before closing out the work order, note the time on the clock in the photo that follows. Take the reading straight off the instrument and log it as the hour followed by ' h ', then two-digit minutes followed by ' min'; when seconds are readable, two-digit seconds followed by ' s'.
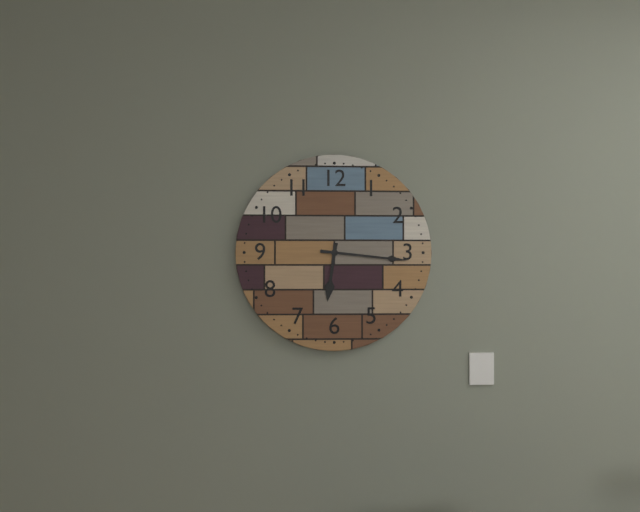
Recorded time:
6 h 16 min
